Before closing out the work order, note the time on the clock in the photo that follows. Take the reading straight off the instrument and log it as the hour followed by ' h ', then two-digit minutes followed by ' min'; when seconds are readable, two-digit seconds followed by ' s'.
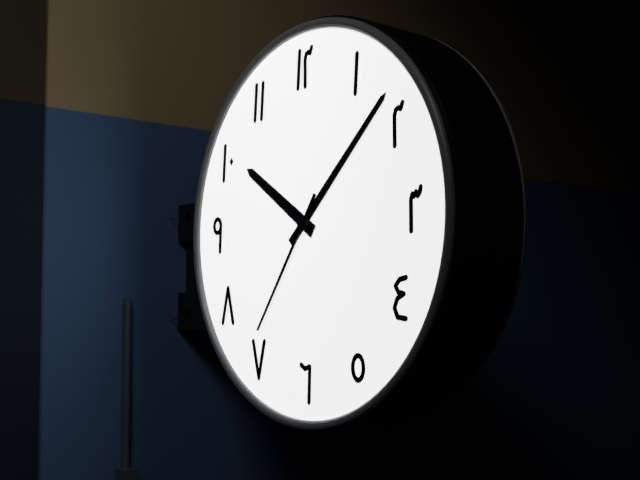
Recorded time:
10 h 08 min 36 s
